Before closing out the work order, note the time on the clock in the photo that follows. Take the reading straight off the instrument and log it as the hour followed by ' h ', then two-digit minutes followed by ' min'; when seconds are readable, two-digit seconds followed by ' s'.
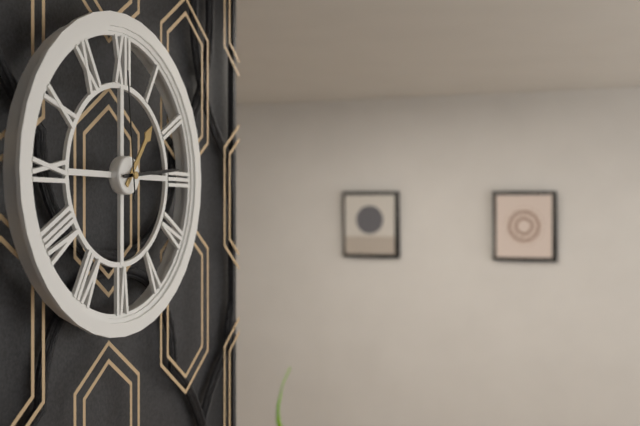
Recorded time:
1 h 14 min 59 s
